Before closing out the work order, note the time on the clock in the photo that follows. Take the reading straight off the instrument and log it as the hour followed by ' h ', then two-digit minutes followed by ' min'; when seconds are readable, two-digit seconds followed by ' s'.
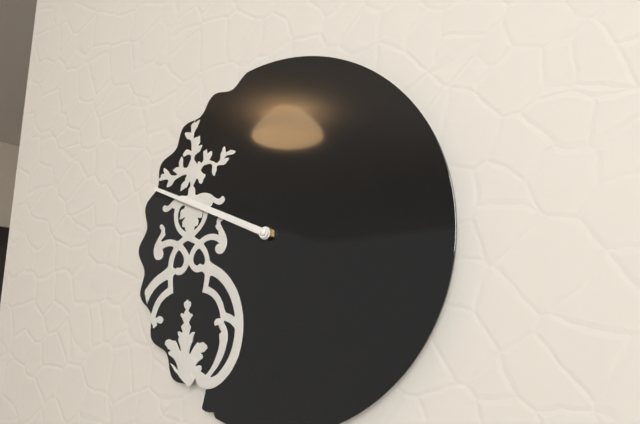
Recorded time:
9 h 49 min
